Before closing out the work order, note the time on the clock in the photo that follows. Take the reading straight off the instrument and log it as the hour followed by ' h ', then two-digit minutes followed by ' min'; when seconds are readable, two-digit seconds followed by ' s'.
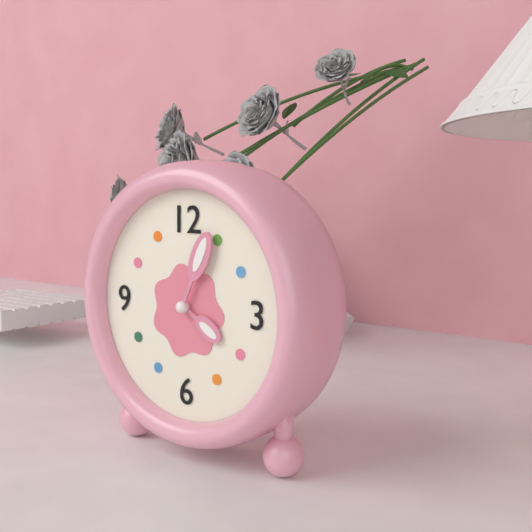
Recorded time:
4 h 04 min
